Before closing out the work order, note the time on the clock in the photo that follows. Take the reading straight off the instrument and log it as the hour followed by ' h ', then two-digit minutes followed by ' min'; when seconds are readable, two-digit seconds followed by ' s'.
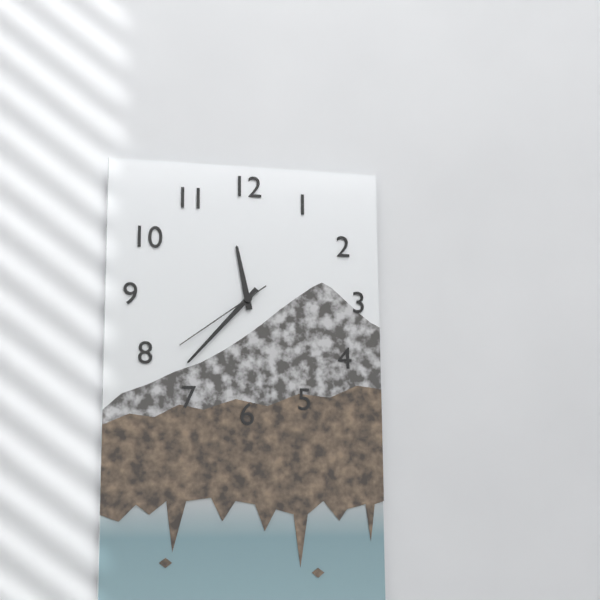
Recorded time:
11 h 37 min 39 s
